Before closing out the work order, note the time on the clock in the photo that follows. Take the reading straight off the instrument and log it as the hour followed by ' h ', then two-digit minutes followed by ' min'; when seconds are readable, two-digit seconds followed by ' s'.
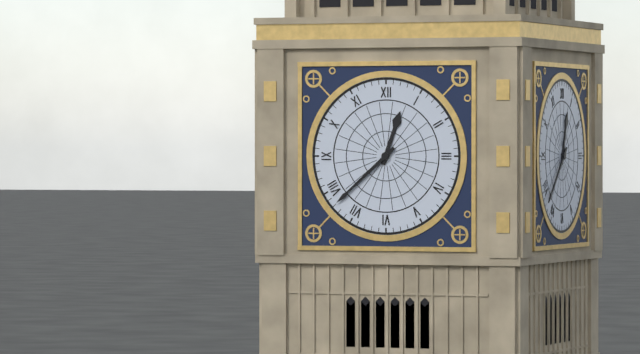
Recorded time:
12 h 38 min
